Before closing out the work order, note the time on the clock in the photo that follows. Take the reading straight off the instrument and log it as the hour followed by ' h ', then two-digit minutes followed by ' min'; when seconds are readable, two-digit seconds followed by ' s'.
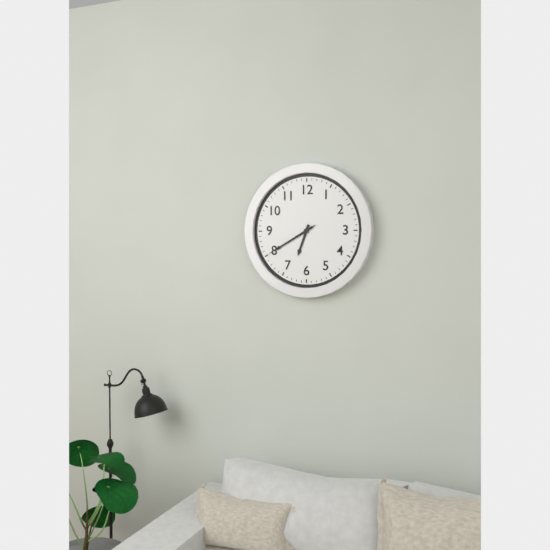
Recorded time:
6 h 40 min 40 s
